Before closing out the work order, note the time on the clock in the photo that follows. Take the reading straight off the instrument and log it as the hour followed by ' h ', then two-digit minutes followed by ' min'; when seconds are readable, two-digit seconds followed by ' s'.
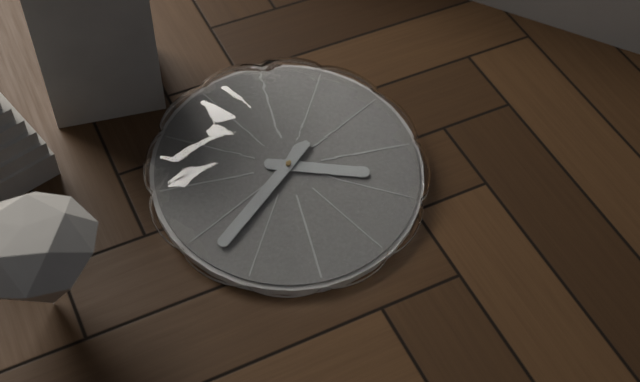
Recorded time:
3 h 38 min
